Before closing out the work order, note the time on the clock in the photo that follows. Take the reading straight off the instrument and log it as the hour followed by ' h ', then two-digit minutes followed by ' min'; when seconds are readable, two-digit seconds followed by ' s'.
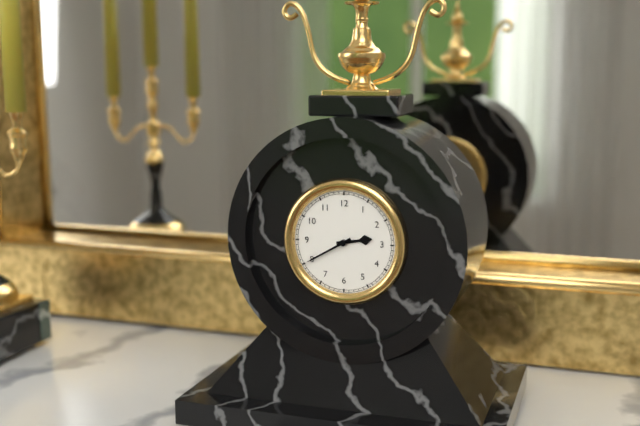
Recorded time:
2 h 40 min
